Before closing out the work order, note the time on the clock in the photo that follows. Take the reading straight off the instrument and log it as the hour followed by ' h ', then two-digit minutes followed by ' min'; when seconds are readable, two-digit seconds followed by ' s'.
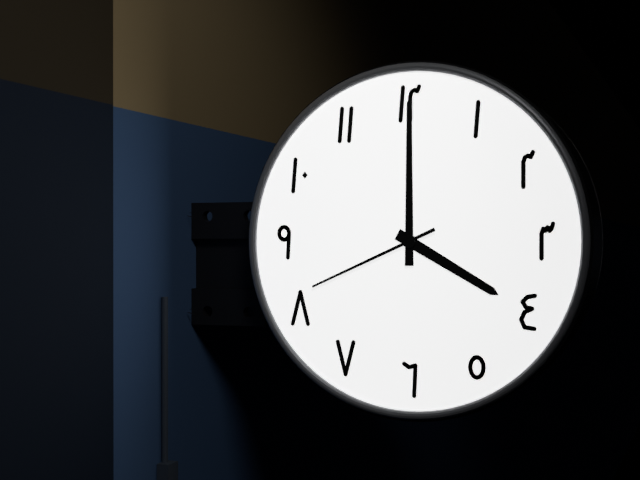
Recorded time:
4 h 00 min 41 s
